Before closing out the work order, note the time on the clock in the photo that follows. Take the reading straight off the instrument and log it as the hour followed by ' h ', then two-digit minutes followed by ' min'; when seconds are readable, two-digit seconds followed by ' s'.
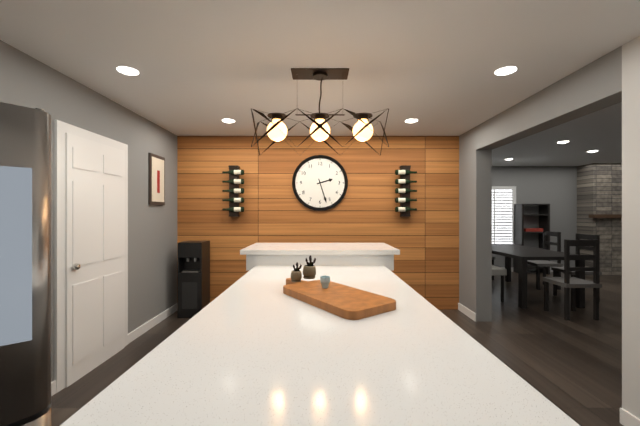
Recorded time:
2 h 27 min
